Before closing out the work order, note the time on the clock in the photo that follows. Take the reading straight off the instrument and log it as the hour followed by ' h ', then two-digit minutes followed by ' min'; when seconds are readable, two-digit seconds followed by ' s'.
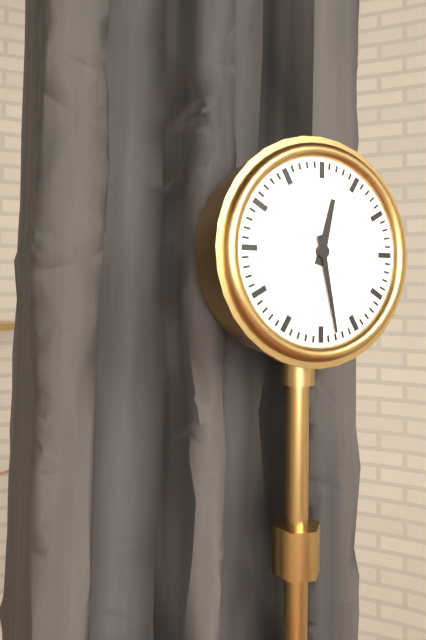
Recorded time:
12 h 28 min
